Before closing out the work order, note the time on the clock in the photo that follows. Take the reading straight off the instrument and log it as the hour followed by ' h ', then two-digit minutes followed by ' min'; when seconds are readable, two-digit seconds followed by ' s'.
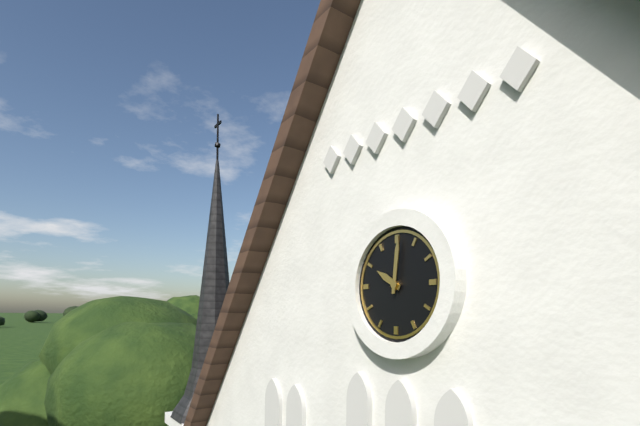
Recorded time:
10 h 01 min
